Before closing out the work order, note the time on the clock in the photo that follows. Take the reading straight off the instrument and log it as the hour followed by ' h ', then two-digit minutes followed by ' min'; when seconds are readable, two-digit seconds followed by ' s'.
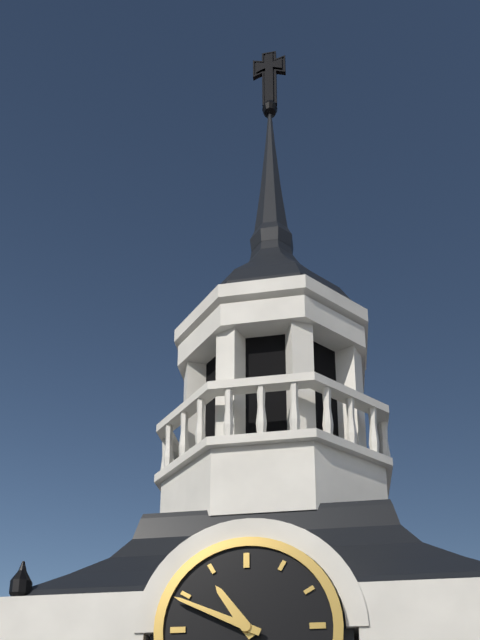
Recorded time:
10 h 49 min
